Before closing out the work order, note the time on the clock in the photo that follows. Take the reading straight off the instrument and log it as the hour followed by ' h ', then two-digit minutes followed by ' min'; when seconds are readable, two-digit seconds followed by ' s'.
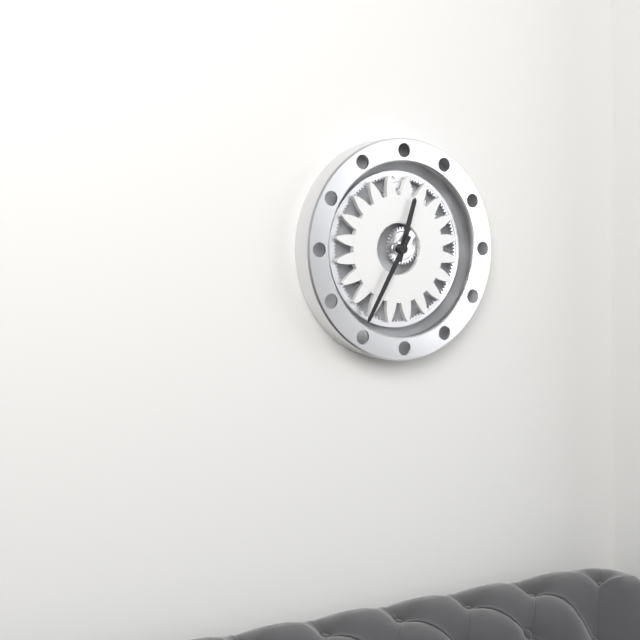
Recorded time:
12 h 35 min
